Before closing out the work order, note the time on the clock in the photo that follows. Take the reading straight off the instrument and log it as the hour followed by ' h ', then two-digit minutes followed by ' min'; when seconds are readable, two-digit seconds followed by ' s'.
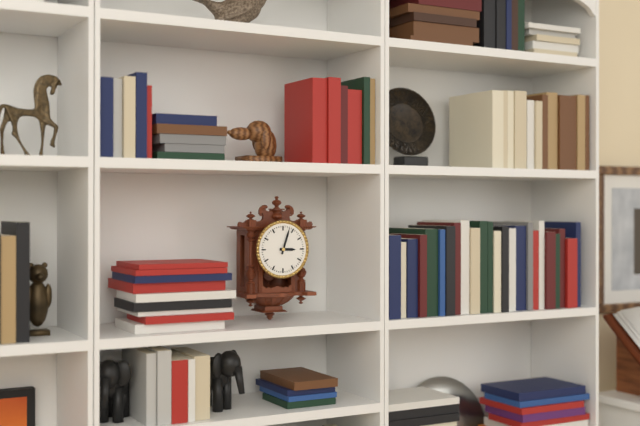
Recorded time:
3 h 03 min
